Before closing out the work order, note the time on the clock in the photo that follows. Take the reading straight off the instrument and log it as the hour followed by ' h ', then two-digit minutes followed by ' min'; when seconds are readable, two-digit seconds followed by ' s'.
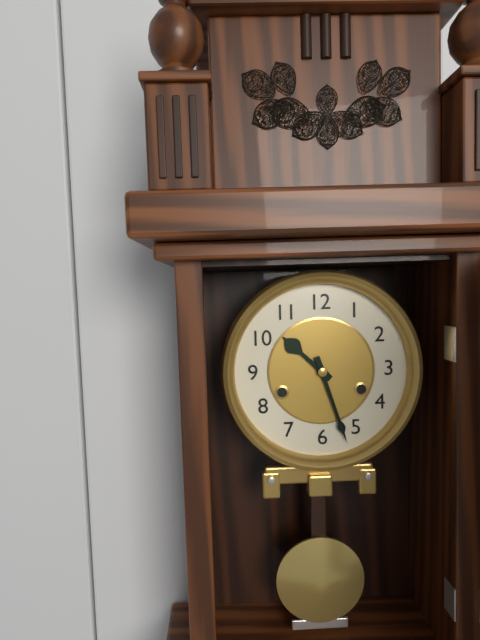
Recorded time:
10 h 27 min
